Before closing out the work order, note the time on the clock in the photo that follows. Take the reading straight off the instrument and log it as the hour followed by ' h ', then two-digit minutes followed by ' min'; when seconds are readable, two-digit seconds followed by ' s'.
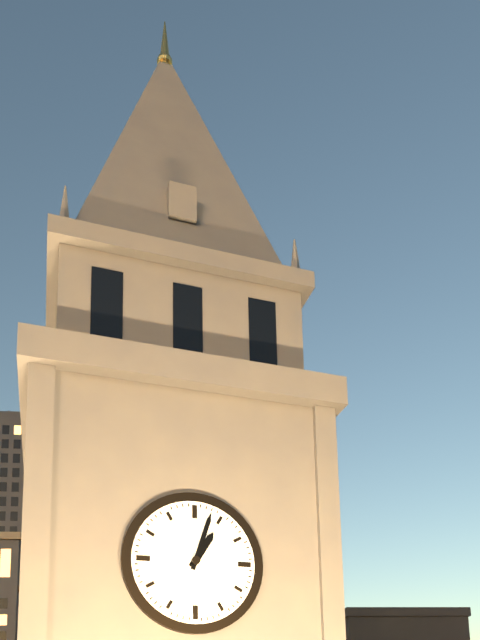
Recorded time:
1 h 03 min
